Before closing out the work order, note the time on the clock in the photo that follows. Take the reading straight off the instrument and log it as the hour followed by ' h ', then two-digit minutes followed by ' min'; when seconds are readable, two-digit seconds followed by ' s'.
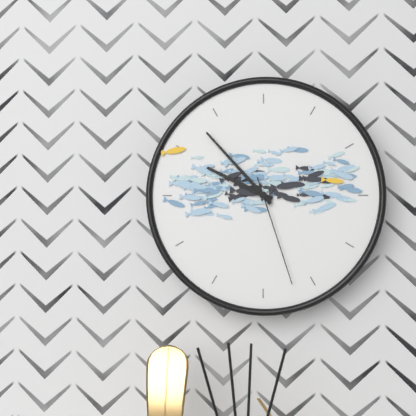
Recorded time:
9 h 53 min 27 s
